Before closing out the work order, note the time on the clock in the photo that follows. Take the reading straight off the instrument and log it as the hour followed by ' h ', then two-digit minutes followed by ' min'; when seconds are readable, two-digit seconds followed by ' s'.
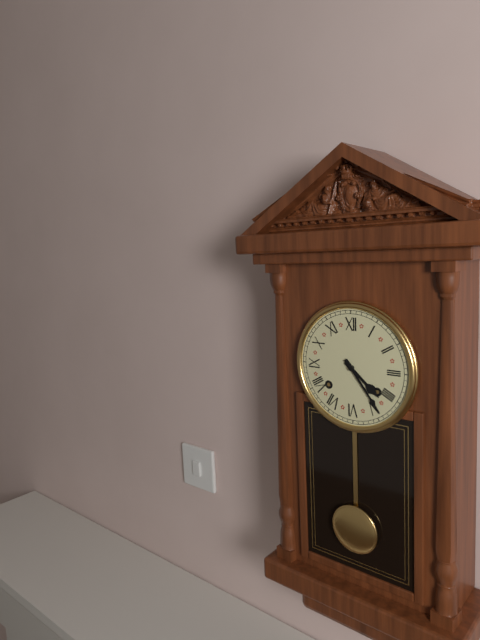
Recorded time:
4 h 24 min
